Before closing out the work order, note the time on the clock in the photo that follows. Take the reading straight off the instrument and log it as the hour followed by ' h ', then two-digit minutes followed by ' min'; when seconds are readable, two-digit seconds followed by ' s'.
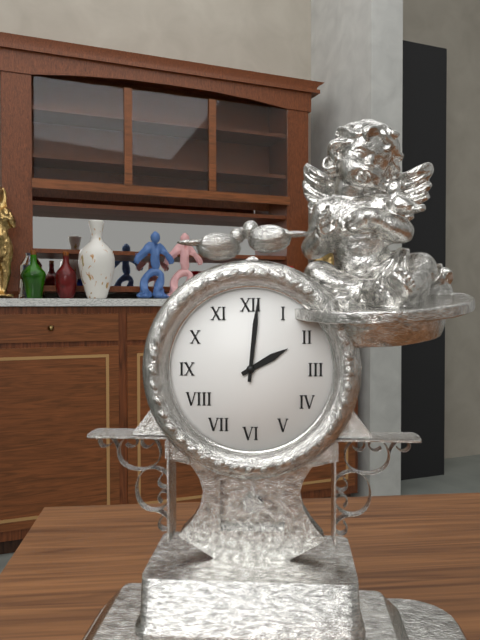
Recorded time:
2 h 01 min
